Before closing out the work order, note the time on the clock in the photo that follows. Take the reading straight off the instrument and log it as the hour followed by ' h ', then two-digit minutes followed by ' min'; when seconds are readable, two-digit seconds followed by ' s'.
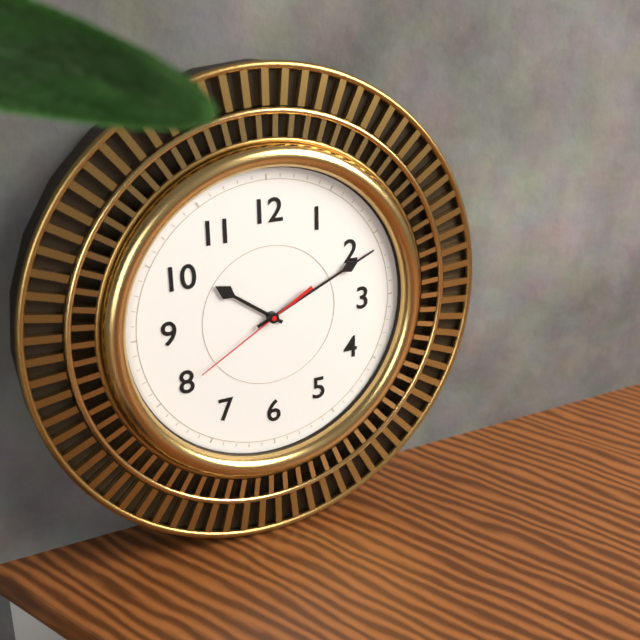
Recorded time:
10 h 11 min 40 s
